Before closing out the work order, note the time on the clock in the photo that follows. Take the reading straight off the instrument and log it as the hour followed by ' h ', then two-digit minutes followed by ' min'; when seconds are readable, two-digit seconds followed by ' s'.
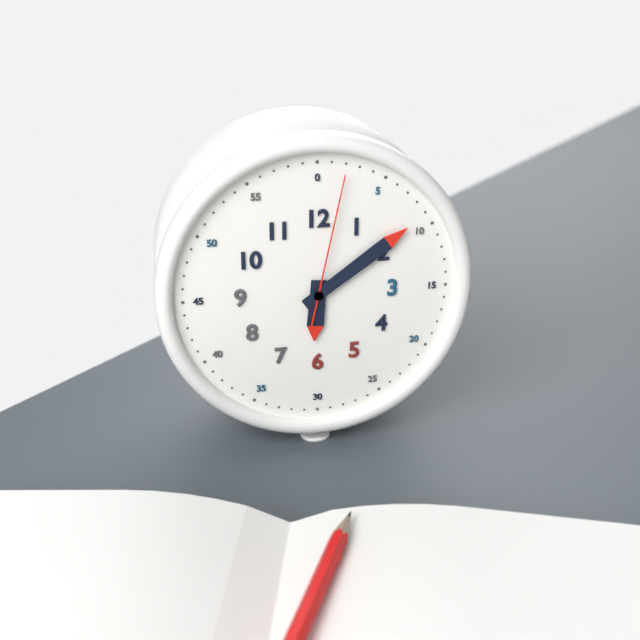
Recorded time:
6 h 09 min 02 s
